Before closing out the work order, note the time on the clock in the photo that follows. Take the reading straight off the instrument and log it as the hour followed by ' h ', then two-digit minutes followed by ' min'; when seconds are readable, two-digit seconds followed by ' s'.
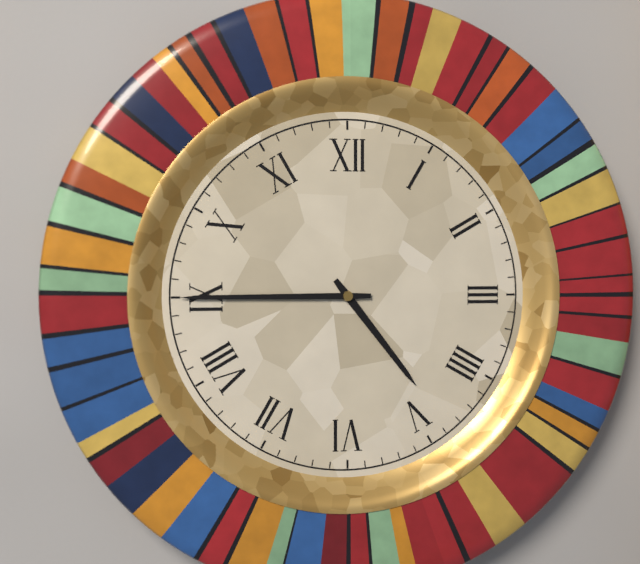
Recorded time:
4 h 45 min
